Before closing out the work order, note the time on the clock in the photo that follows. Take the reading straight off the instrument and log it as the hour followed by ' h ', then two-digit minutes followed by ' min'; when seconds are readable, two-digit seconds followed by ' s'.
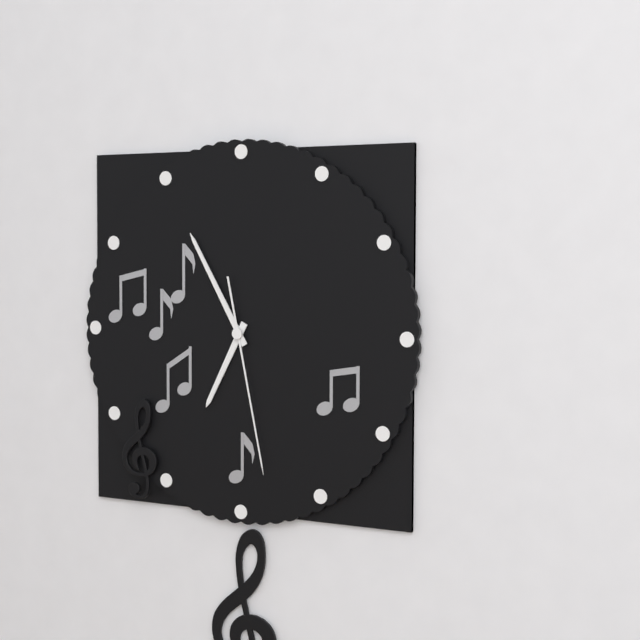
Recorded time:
6 h 55 min 28 s
